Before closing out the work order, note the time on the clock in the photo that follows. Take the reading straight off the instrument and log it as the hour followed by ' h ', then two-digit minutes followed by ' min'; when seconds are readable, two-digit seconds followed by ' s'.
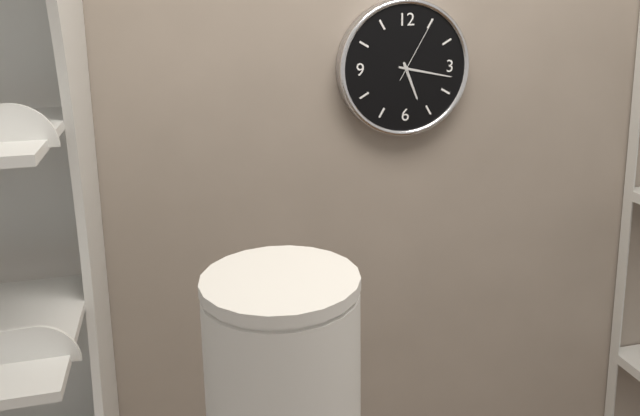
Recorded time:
5 h 17 min 05 s
